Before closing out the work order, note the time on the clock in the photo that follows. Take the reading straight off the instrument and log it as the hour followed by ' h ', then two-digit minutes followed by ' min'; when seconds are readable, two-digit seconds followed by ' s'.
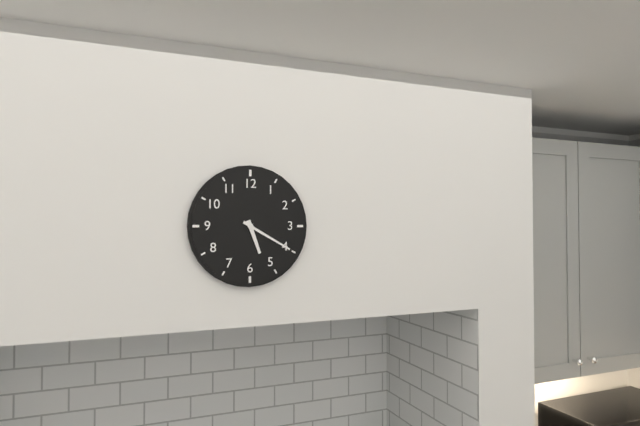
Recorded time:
5 h 20 min
